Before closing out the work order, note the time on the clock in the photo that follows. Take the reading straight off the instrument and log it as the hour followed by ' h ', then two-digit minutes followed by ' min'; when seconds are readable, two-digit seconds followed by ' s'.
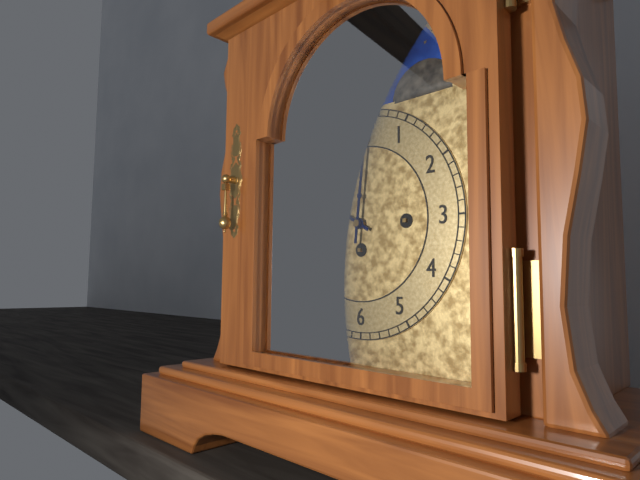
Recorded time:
10 h 01 min
